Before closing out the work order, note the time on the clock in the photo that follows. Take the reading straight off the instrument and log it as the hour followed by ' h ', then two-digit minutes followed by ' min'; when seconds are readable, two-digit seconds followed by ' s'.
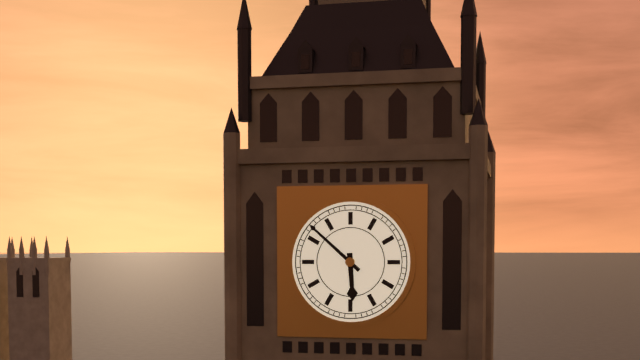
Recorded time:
5 h 52 min
